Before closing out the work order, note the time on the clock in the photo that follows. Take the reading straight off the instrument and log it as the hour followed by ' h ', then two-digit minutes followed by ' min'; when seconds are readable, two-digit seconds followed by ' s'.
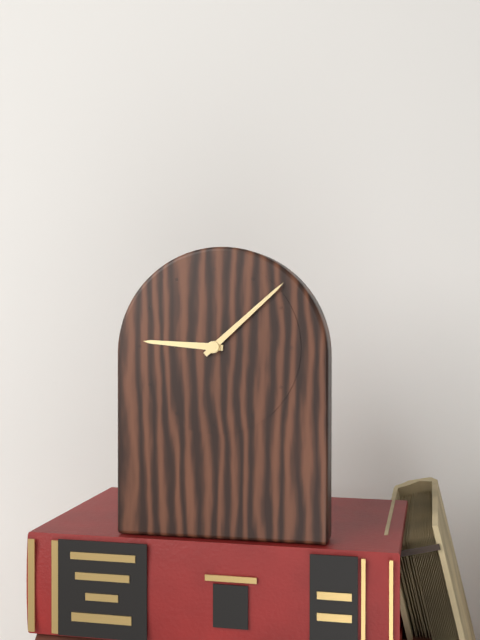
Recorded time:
9 h 08 min
